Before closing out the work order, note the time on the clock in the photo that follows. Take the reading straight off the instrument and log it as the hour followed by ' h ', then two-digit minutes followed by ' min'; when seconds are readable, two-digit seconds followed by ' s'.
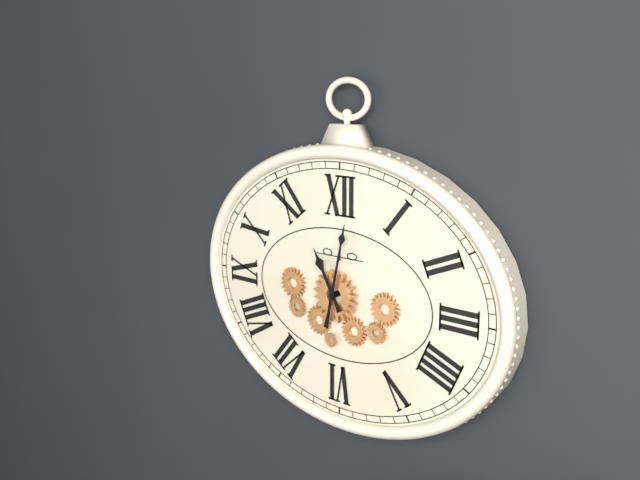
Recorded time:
11 h 02 min
